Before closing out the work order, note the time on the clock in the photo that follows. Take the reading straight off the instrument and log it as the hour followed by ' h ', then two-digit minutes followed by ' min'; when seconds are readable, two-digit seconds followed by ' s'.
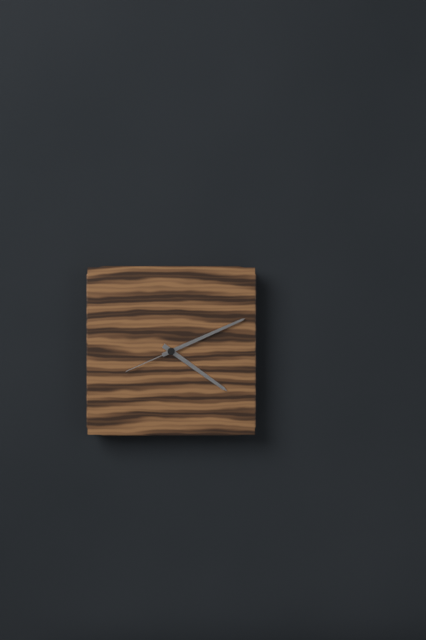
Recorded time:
4 h 11 min 41 s
